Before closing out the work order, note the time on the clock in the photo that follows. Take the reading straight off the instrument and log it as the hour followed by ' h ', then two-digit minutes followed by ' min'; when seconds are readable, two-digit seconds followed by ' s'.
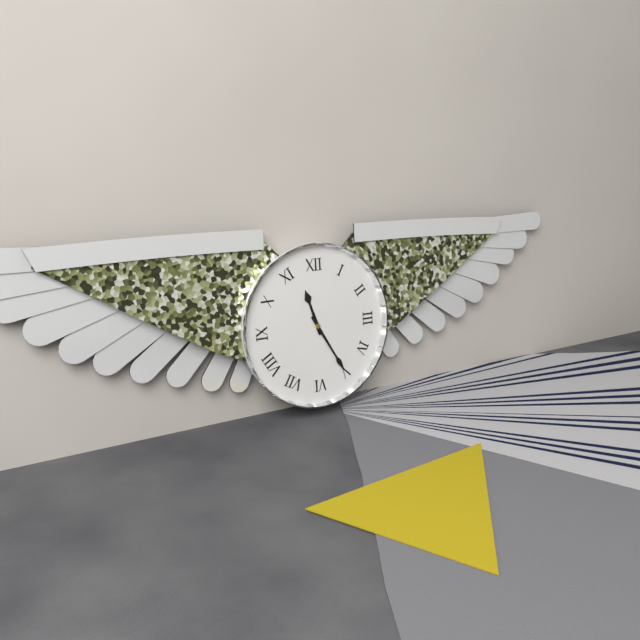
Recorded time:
11 h 25 min
